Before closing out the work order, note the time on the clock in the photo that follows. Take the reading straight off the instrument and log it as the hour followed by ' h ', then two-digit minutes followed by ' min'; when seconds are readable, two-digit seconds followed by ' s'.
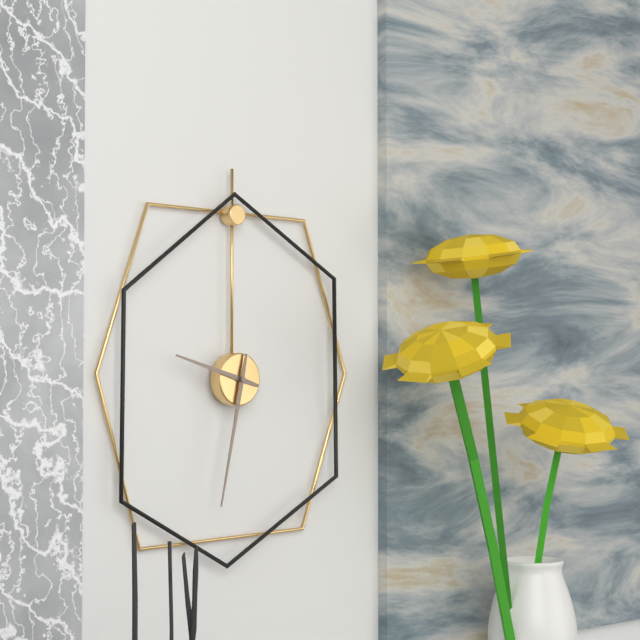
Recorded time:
9 h 32 min
